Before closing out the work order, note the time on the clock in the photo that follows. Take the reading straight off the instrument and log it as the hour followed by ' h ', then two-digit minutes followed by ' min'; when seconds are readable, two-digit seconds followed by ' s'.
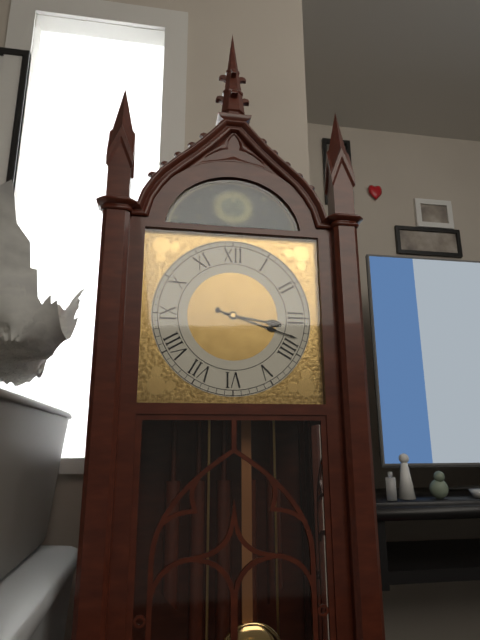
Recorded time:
3 h 18 min
